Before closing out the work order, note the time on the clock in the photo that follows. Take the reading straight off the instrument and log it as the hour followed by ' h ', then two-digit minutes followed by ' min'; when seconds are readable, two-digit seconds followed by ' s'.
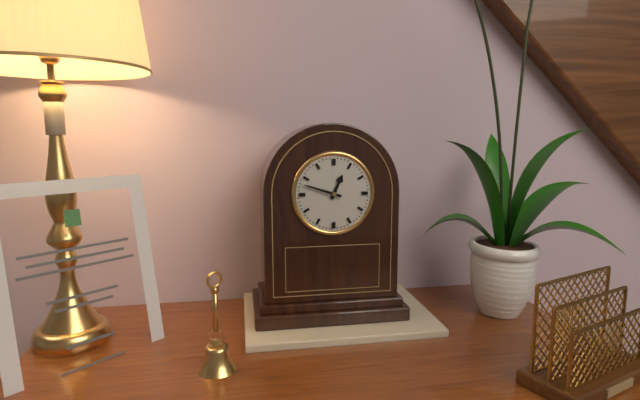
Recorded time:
12 h 48 min
